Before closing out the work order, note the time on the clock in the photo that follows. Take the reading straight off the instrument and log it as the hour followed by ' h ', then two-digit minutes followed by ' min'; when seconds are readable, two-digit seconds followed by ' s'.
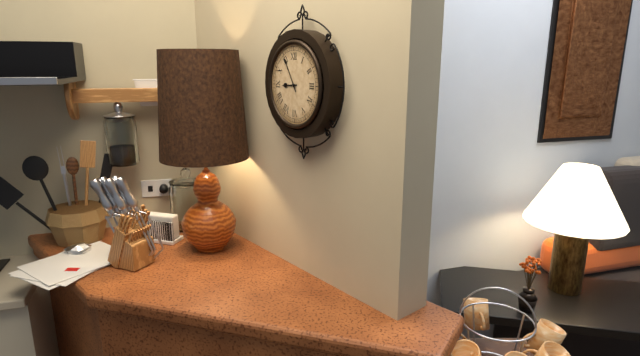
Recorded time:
8 h 55 min
